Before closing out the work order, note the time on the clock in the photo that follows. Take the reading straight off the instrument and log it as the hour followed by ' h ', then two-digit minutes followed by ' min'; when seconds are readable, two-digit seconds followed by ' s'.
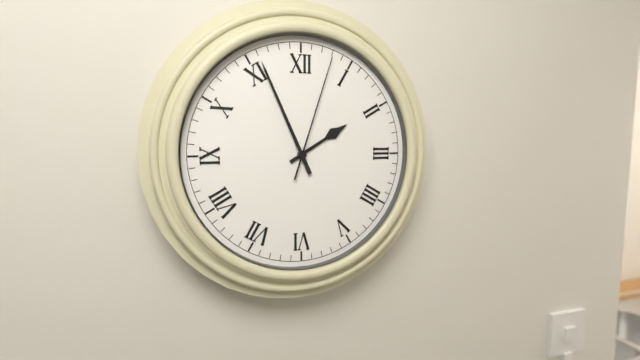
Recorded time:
1 h 56 min 03 s
